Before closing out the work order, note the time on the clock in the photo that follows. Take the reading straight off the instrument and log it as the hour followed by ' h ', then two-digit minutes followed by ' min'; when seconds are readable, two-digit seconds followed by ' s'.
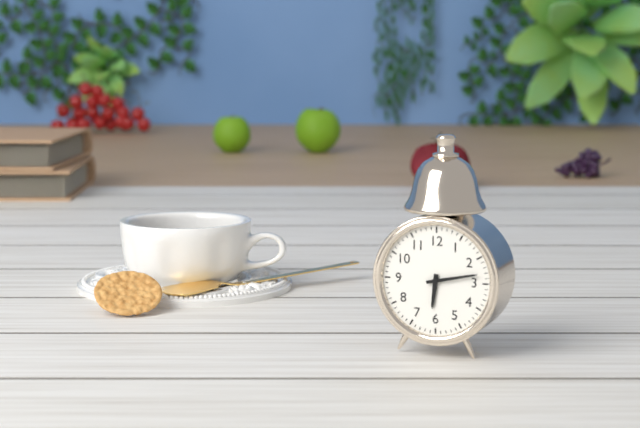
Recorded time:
6 h 13 min
